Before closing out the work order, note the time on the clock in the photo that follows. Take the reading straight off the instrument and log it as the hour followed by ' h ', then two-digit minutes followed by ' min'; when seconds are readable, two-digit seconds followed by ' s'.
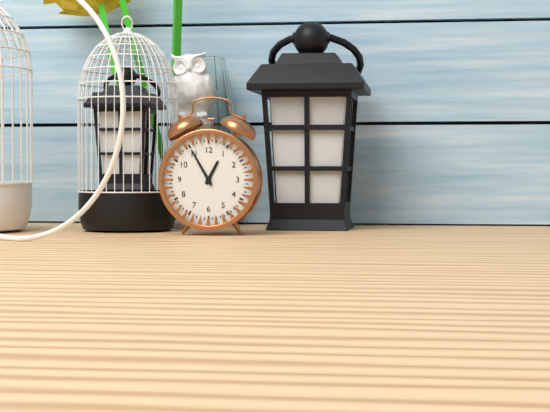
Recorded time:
12 h 55 min
